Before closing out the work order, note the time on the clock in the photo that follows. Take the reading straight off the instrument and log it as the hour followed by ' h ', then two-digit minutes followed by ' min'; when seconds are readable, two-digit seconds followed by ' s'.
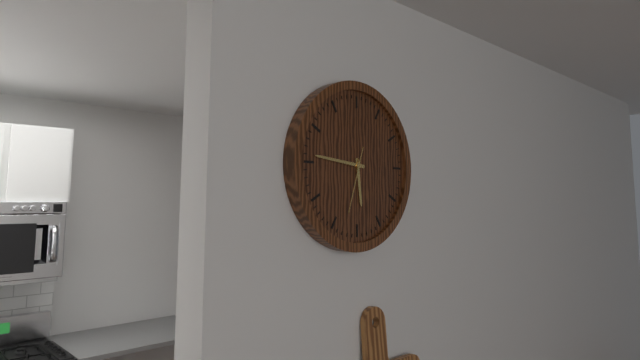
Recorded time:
5 h 46 min 33 s
